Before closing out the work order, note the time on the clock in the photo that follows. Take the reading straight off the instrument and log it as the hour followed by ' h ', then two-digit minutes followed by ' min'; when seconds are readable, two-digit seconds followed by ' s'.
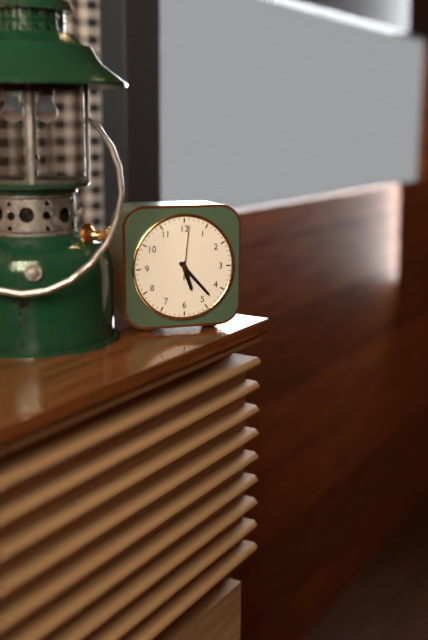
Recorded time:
5 h 23 min 01 s
